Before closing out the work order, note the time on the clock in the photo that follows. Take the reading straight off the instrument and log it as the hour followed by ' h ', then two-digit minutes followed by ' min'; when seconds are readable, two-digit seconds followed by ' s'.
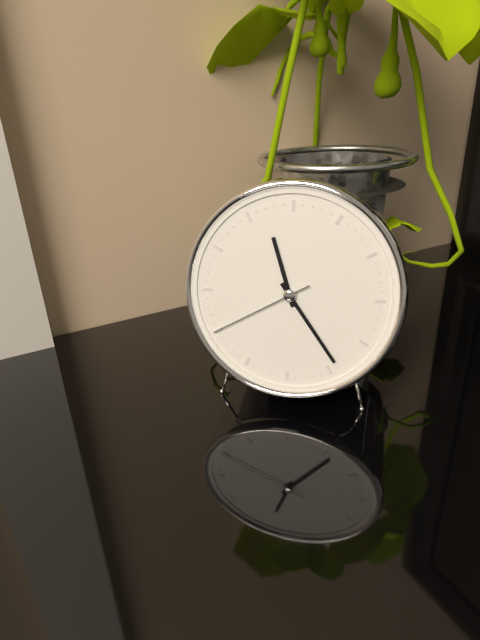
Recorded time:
11 h 24 min 40 s
